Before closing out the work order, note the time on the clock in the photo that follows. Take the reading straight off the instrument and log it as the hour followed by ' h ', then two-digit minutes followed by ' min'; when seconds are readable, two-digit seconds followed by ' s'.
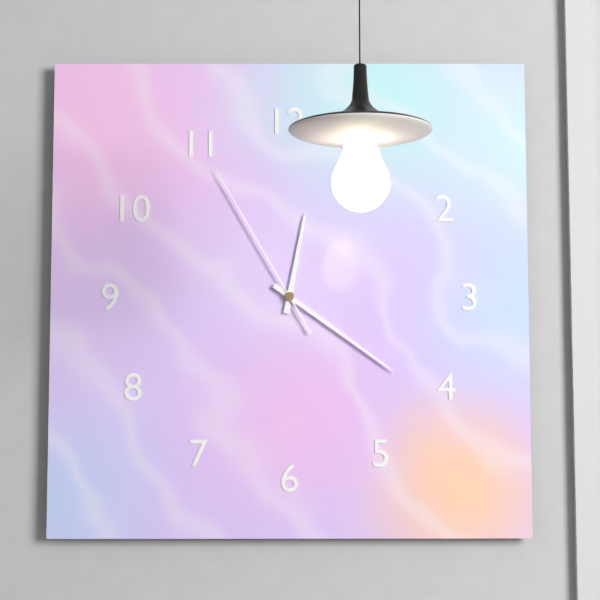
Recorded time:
12 h 21 min 55 s
